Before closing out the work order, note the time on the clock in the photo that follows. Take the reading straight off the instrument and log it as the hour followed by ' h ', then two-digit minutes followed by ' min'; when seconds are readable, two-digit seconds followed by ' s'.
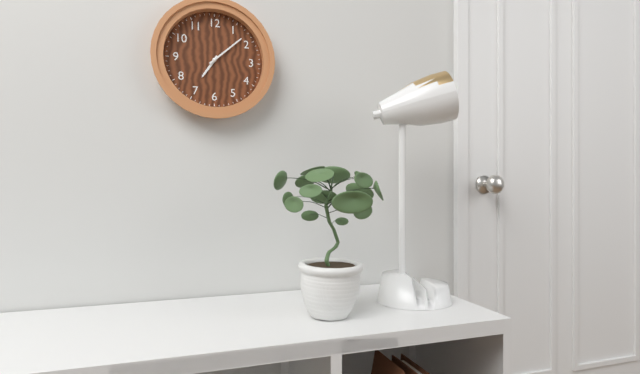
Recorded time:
7 h 08 min
